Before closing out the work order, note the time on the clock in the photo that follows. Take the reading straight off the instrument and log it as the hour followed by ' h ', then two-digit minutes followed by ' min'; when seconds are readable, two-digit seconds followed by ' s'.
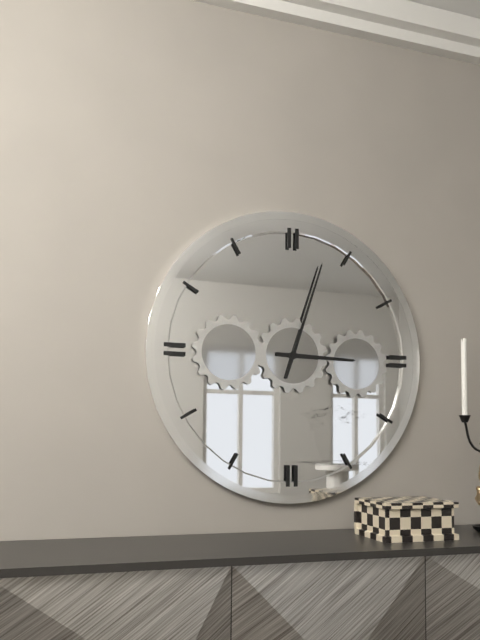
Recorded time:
3 h 03 min
